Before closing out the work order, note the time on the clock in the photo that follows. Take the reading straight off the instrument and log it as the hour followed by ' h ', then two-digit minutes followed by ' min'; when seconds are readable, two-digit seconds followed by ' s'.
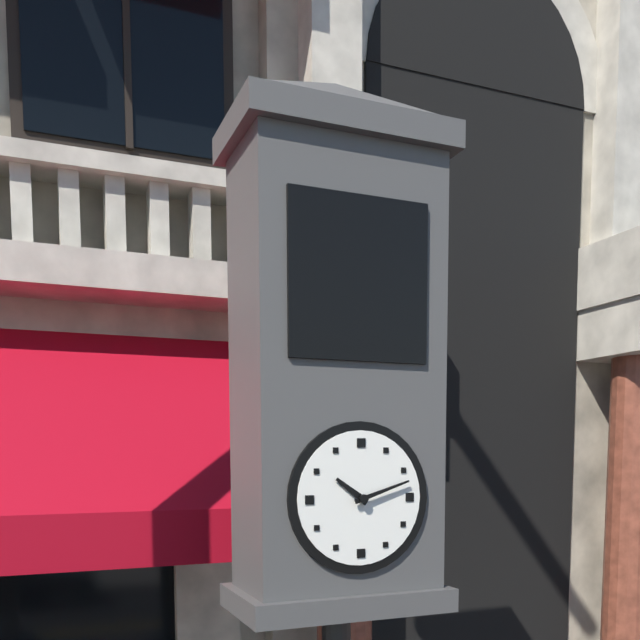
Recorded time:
10 h 12 min
